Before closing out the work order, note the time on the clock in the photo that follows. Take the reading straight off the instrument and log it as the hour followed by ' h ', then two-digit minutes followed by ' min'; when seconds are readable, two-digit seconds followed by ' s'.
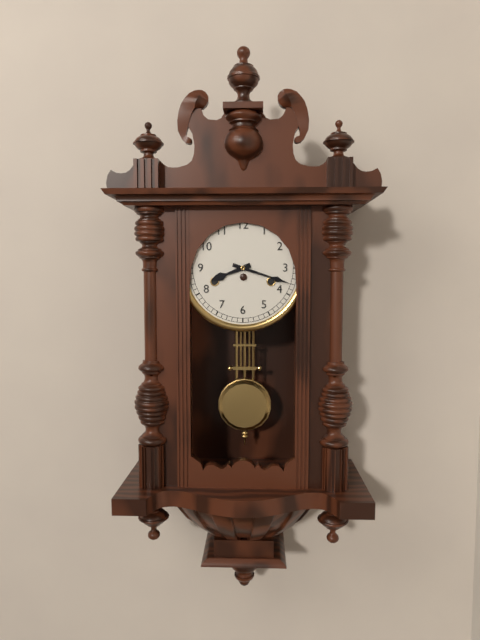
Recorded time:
8 h 18 min
